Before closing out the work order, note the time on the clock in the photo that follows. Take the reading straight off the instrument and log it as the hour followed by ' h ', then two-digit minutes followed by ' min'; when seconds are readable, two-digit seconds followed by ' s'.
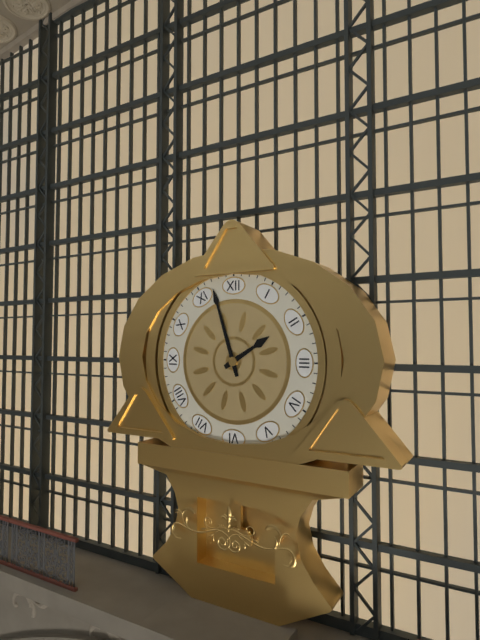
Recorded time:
1 h 57 min
